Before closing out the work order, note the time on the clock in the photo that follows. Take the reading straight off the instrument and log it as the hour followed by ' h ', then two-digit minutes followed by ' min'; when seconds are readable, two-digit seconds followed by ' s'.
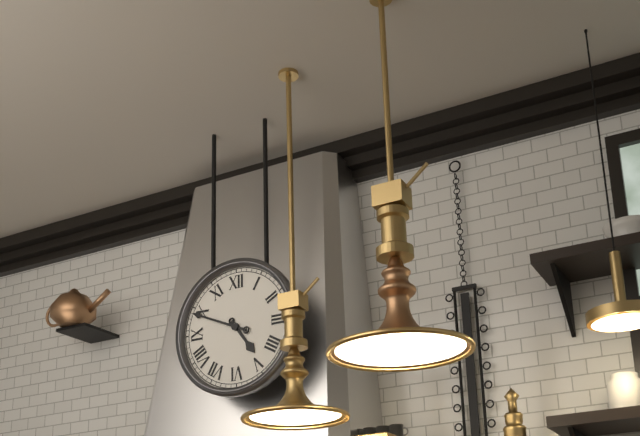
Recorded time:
4 h 49 min
